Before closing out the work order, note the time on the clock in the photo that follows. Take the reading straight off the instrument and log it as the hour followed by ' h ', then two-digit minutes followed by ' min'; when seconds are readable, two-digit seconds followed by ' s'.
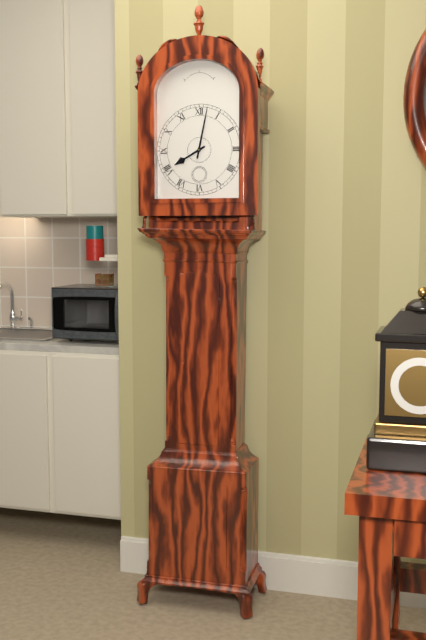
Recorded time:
8 h 02 min
